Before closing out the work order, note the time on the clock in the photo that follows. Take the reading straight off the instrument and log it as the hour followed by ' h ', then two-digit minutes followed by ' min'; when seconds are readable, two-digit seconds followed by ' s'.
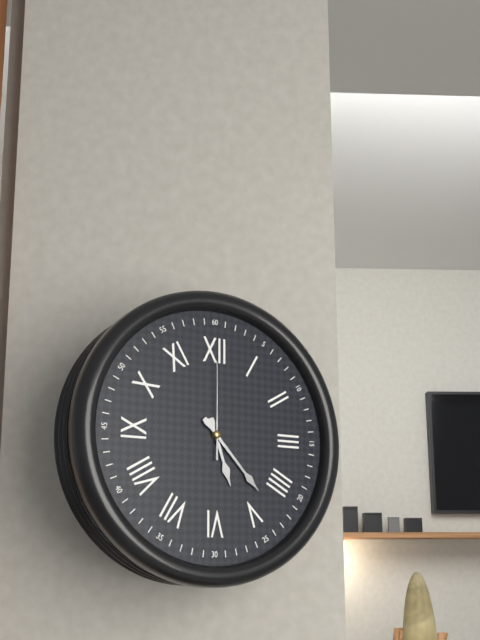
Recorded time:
5 h 23 min 00 s
